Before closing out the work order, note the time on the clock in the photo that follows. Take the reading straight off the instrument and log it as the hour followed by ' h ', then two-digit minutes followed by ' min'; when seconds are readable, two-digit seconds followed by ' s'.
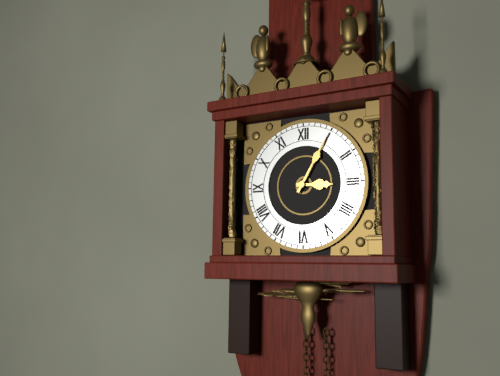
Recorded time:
3 h 05 min
